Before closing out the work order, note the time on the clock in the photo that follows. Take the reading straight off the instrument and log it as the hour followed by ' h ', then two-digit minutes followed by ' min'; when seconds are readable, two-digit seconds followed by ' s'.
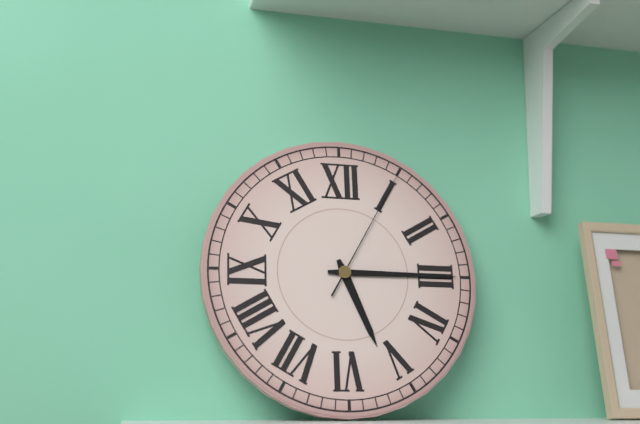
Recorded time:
5 h 15 min 05 s
